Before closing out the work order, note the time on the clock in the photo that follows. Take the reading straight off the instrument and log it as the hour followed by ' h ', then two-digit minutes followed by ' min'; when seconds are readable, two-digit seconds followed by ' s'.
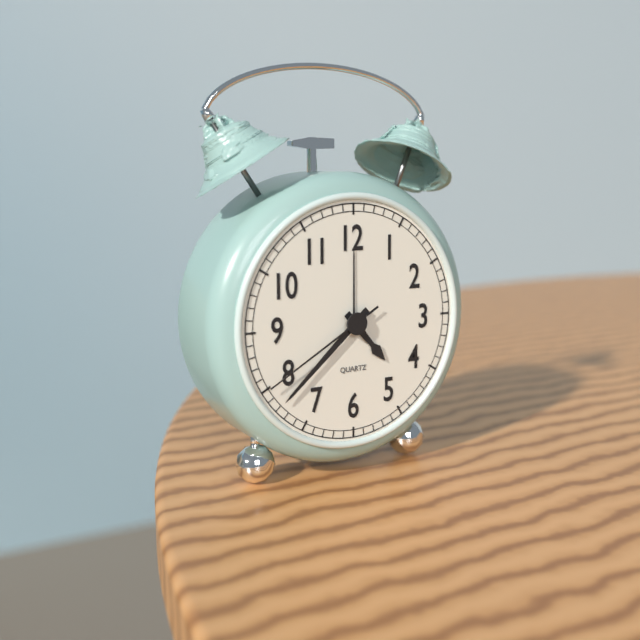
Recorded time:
4 h 38 min 40 s
